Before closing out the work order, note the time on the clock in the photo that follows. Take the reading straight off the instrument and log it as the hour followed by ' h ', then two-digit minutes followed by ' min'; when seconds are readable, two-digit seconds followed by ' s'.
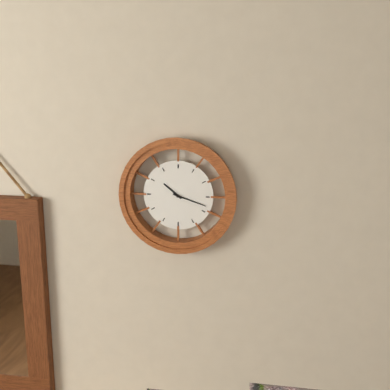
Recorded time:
10 h 18 min
